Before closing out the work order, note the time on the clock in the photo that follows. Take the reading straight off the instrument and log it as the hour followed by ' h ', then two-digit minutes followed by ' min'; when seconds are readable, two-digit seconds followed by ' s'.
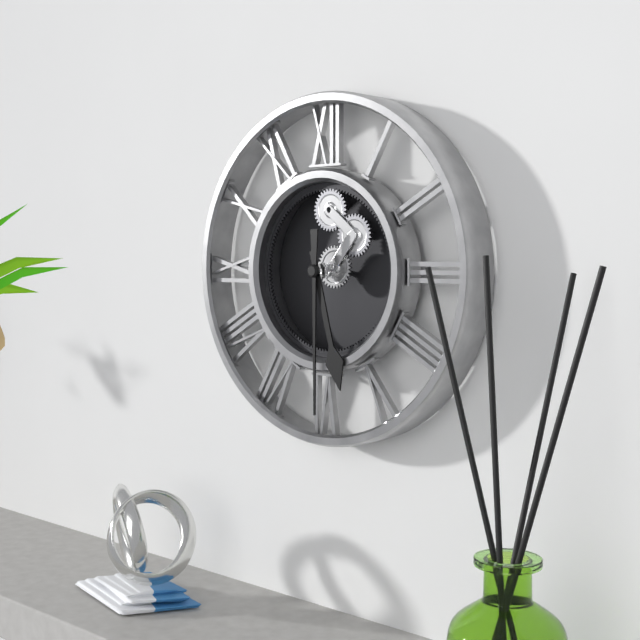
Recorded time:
5 h 30 min
